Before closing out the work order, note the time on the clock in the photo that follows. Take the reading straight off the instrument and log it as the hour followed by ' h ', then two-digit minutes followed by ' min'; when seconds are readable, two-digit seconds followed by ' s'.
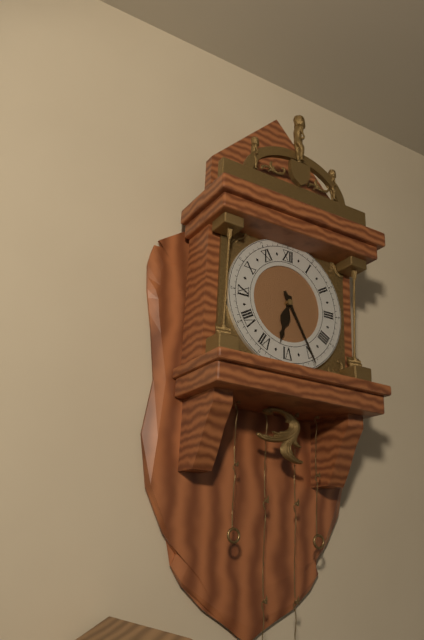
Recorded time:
6 h 25 min
